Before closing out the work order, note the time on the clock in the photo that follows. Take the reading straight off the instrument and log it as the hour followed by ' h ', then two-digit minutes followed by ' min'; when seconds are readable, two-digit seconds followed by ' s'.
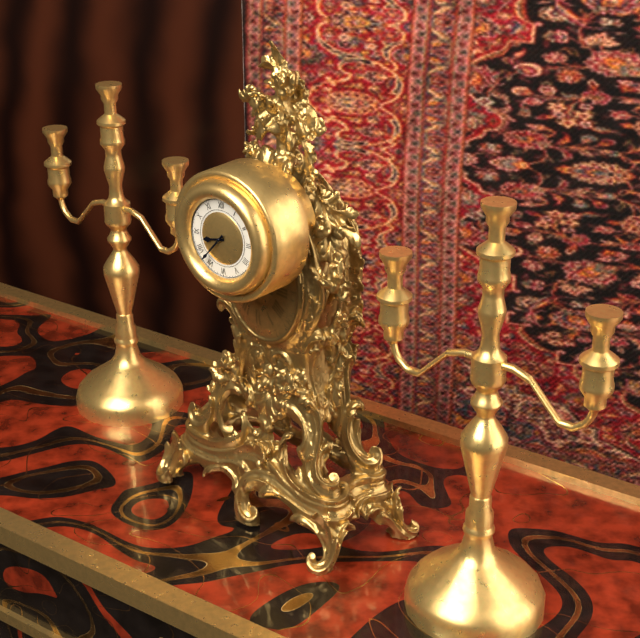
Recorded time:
8 h 37 min
